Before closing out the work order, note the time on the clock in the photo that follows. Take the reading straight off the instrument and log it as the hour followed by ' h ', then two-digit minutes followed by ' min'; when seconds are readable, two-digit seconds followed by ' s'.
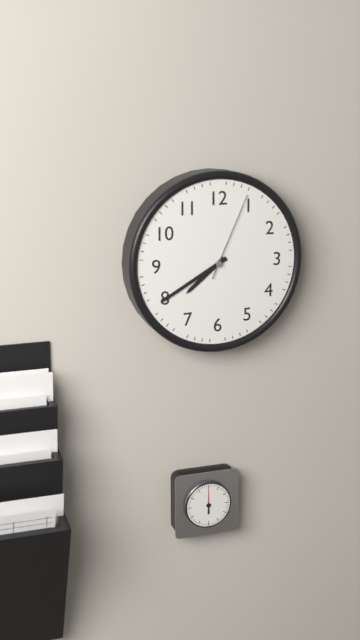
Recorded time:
7 h 40 min 04 s
